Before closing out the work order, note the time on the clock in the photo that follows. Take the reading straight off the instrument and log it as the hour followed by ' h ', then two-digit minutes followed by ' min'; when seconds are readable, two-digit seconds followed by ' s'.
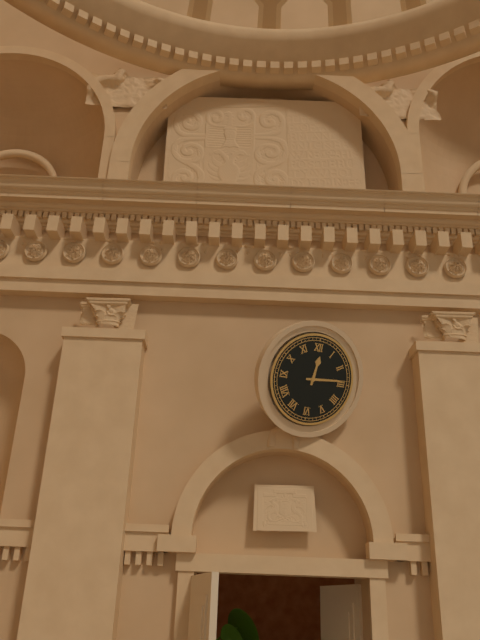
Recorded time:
12 h 14 min
